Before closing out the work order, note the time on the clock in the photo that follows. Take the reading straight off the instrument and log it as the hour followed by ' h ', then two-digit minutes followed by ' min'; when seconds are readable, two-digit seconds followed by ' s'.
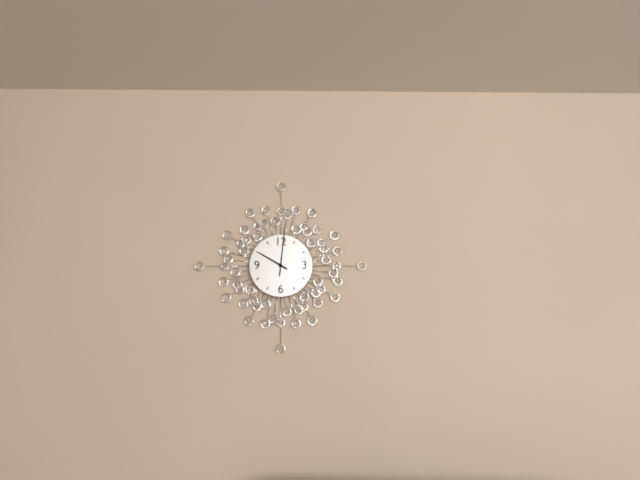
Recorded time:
10 h 01 min
